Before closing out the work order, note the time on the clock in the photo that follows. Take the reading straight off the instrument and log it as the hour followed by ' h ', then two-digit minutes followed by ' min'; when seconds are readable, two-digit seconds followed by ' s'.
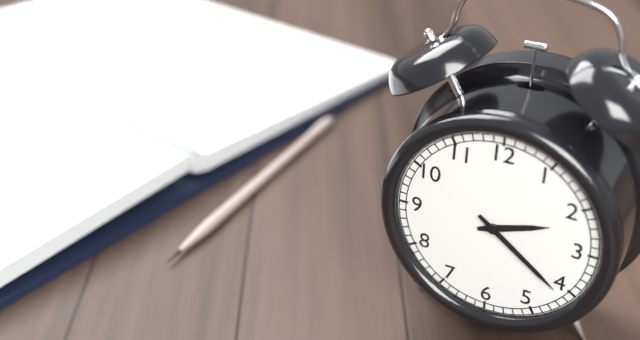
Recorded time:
2 h 21 min
